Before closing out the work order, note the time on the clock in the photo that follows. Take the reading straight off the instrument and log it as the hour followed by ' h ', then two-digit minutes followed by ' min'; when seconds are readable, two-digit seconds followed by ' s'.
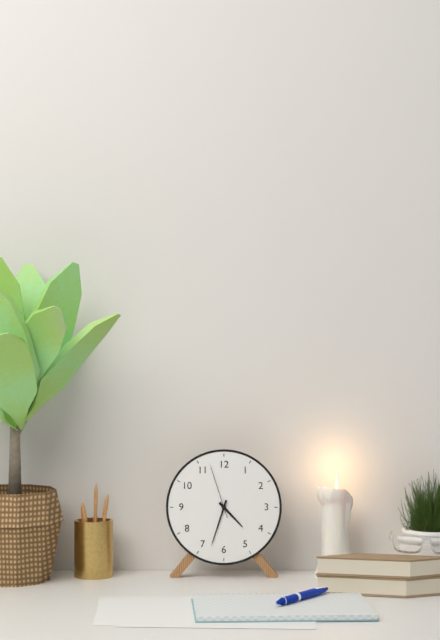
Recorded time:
4 h 33 min 57 s
